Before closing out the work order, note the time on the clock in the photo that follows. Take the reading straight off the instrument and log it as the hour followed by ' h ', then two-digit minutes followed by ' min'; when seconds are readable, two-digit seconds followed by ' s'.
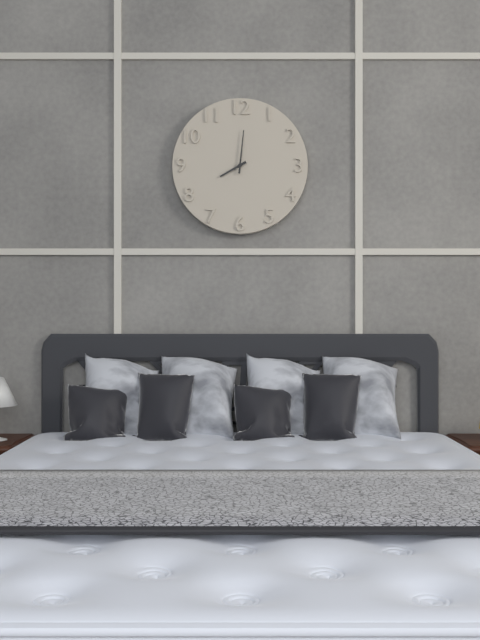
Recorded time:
8 h 01 min
